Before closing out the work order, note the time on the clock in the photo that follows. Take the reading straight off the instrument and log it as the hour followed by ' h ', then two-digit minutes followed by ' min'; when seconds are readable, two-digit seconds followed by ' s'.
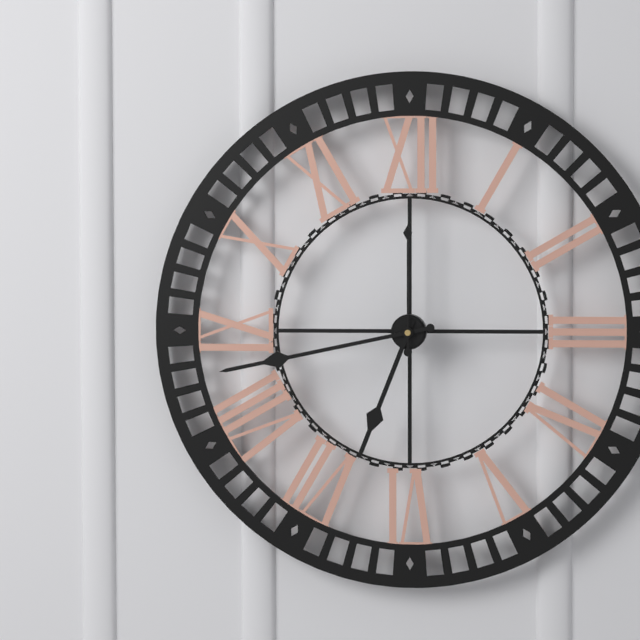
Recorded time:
6 h 43 min 00 s
